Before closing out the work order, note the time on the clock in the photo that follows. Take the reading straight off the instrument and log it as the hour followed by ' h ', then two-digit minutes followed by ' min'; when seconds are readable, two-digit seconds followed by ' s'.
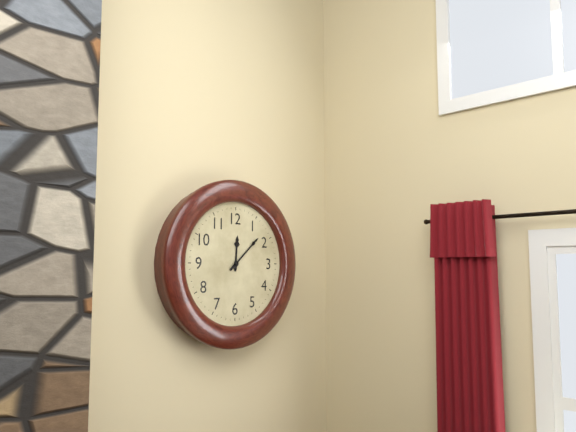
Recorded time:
12 h 08 min
